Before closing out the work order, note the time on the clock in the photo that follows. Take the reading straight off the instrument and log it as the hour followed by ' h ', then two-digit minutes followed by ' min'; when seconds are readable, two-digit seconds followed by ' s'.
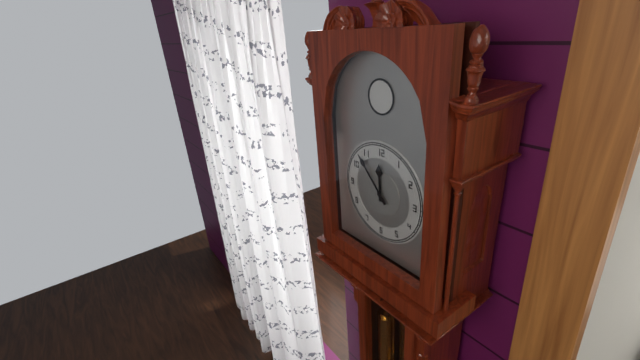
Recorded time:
11 h 53 min
